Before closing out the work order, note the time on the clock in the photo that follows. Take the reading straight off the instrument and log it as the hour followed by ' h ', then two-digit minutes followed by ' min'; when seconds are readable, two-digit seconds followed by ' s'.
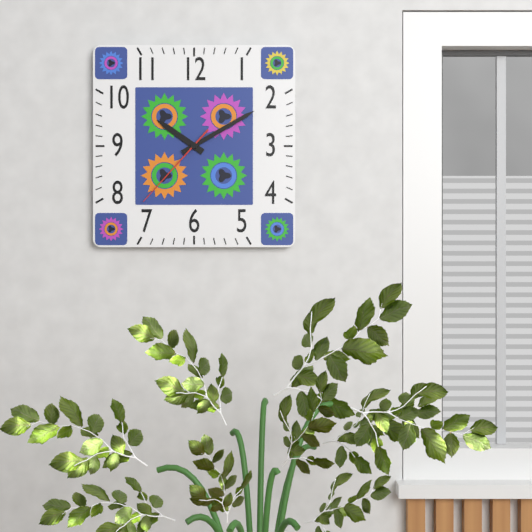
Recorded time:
10 h 10 min 37 s
